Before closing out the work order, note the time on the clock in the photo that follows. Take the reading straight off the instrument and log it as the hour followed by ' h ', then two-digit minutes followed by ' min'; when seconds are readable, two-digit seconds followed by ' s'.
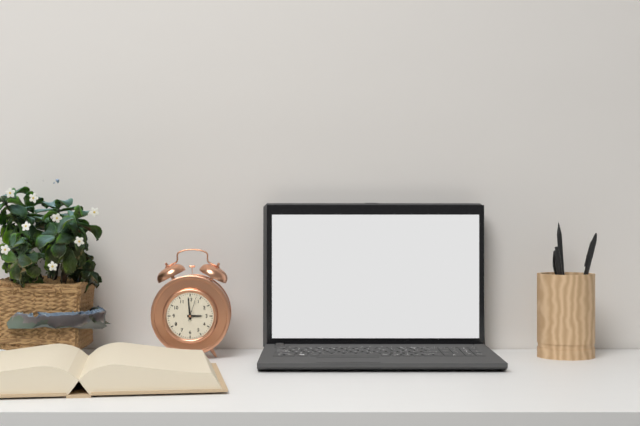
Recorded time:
2 h 59 min
